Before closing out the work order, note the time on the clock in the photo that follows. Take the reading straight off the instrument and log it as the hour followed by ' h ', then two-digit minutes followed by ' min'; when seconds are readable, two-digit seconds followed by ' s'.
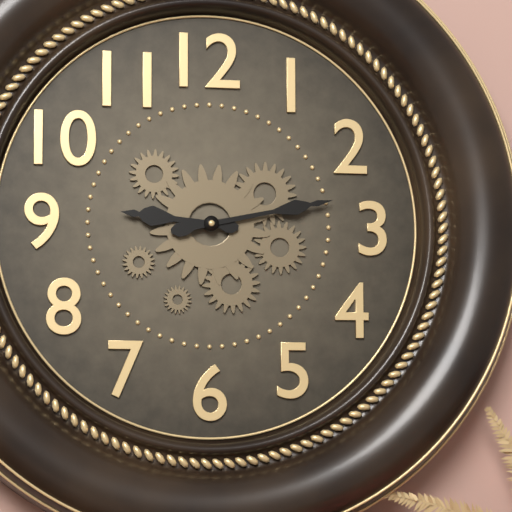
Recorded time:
9 h 13 min
